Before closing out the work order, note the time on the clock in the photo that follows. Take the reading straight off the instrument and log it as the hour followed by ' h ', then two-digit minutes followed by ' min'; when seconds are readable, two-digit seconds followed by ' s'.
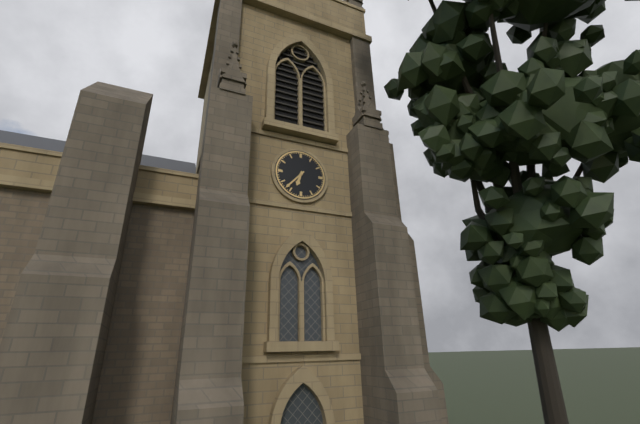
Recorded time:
6 h 37 min
